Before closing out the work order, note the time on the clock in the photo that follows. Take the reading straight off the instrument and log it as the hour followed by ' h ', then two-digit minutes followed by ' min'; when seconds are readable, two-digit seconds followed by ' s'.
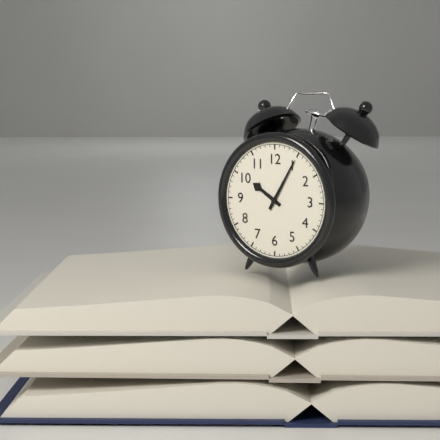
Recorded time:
10 h 05 min
